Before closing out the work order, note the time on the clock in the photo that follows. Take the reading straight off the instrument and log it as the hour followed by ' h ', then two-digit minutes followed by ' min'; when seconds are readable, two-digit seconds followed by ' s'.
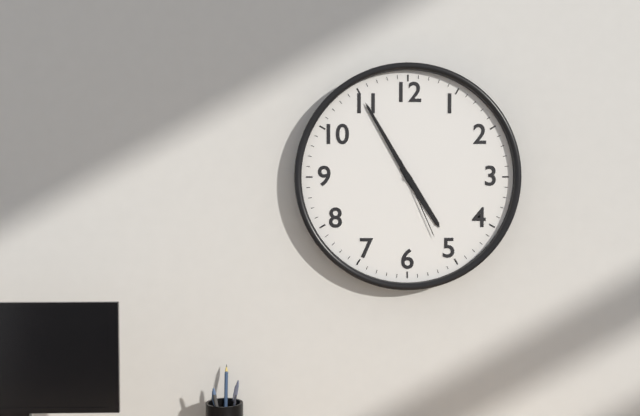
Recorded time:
4 h 55 min 26 s
